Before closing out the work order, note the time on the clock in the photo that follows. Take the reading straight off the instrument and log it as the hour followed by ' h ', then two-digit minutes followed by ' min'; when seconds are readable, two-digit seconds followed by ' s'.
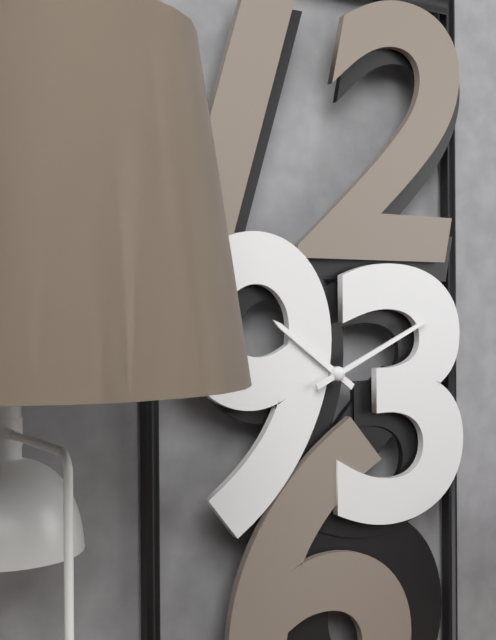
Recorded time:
10 h 11 min
